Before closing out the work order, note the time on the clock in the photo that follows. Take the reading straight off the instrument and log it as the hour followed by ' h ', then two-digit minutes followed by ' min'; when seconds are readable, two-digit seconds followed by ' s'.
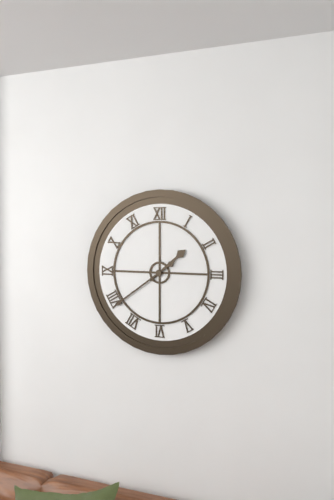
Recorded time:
1 h 39 min
